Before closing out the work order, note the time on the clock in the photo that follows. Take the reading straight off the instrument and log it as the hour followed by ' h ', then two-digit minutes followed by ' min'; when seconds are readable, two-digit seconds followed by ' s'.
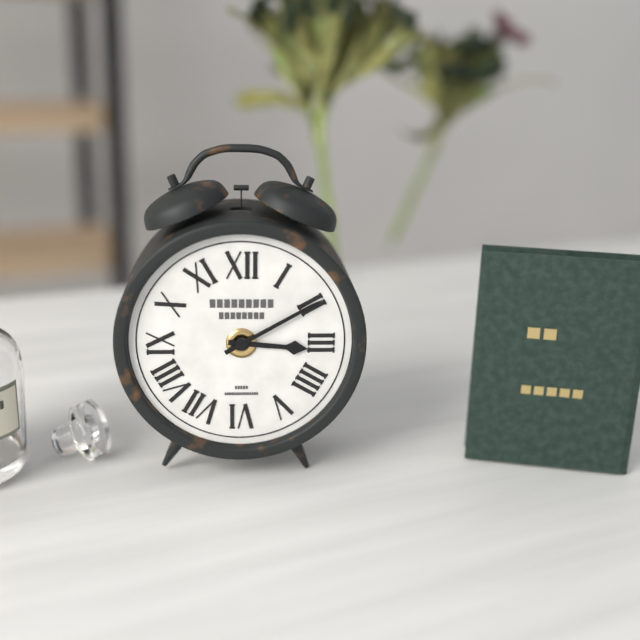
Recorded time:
3 h 10 min
